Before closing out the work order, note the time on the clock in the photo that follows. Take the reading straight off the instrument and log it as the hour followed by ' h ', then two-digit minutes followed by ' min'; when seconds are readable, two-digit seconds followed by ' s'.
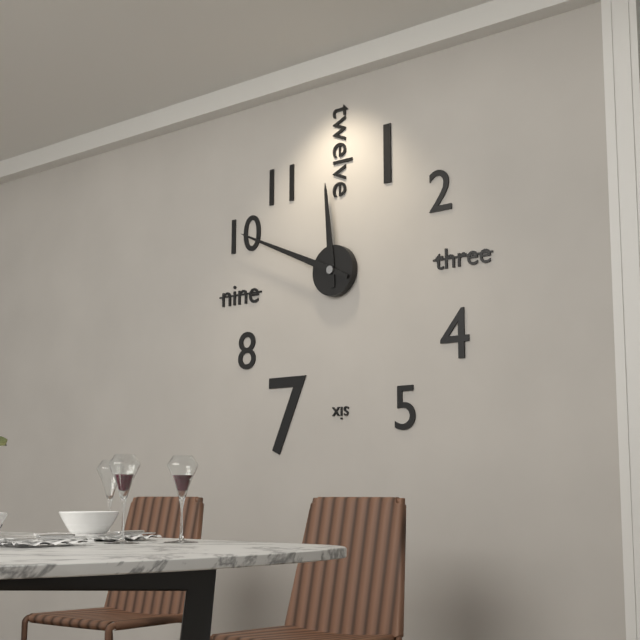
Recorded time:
11 h 49 min
